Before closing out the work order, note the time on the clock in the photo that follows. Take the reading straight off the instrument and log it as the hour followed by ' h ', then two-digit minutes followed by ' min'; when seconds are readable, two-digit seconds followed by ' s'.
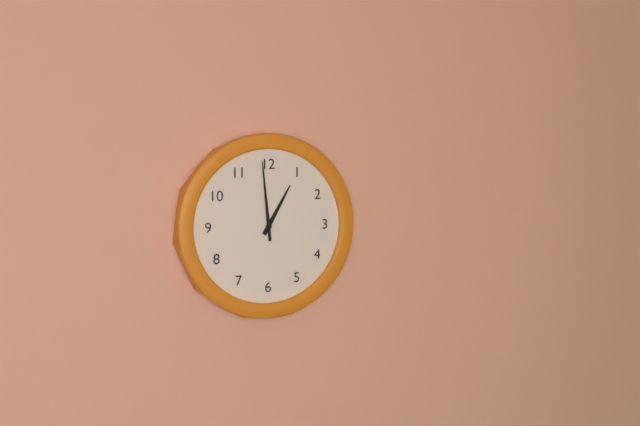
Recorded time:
12 h 59 min
